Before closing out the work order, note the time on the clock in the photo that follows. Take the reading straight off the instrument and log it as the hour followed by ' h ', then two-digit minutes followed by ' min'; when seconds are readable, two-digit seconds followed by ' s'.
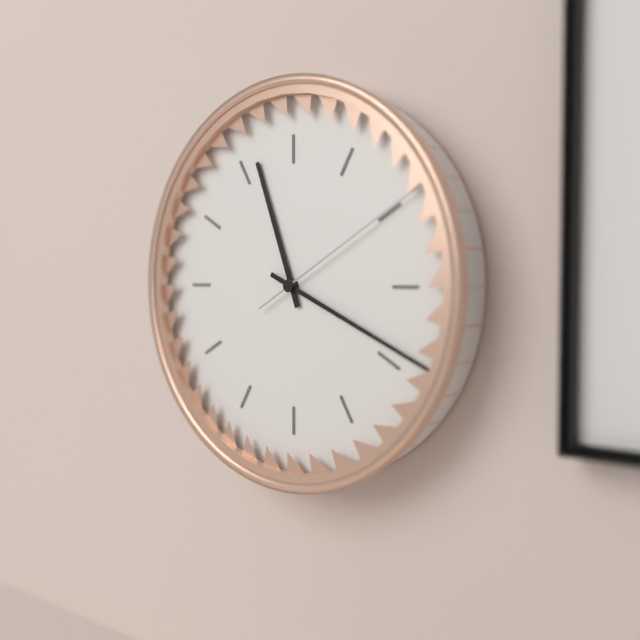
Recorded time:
11 h 19 min 10 s
